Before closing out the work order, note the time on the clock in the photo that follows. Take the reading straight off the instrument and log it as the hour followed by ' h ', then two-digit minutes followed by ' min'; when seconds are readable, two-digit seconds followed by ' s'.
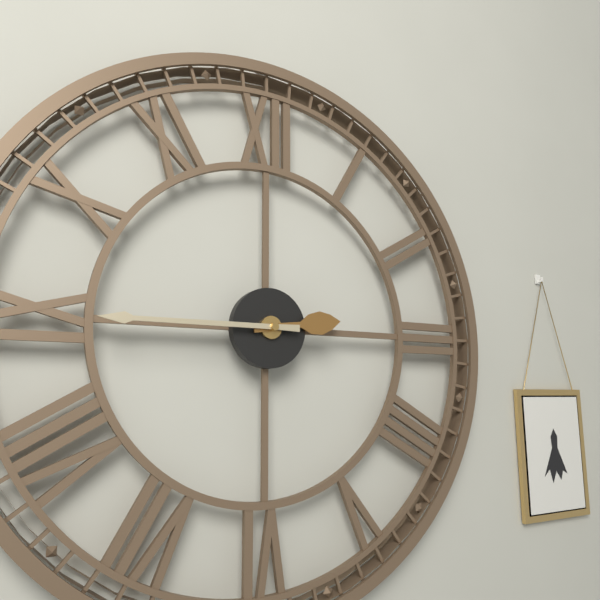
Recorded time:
2 h 45 min
